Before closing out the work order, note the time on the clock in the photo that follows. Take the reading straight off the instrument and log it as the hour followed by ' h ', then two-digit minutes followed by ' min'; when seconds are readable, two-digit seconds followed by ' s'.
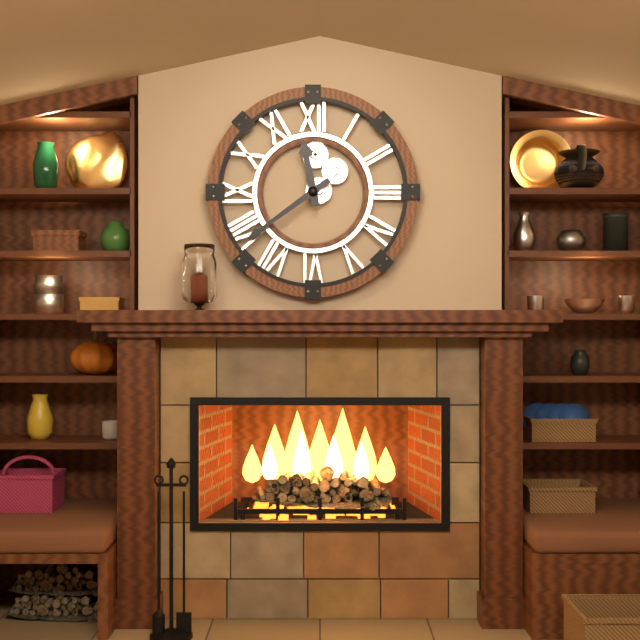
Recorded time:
11 h 39 min
